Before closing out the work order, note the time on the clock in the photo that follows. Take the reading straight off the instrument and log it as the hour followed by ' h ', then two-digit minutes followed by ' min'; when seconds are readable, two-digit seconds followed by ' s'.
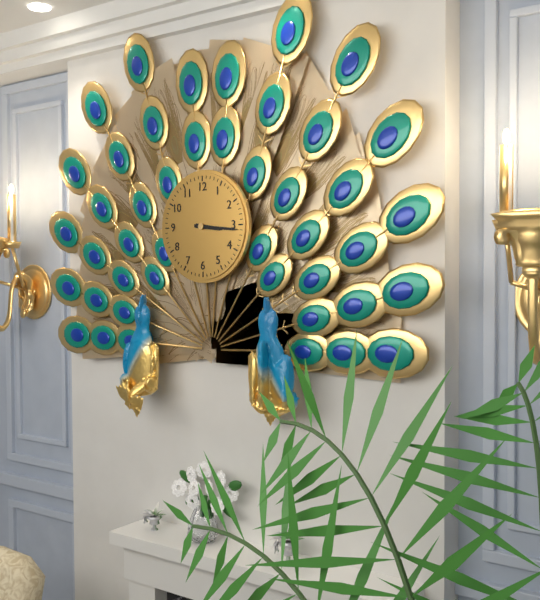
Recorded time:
3 h 16 min
